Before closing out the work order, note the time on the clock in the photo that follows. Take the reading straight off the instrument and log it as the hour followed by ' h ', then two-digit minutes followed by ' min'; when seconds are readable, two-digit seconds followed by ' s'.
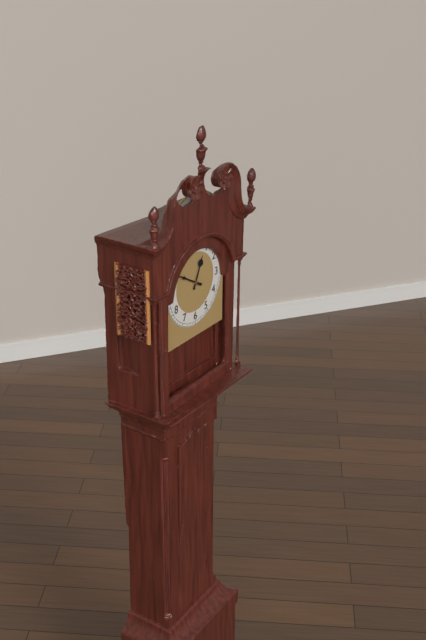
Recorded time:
12 h 50 min
